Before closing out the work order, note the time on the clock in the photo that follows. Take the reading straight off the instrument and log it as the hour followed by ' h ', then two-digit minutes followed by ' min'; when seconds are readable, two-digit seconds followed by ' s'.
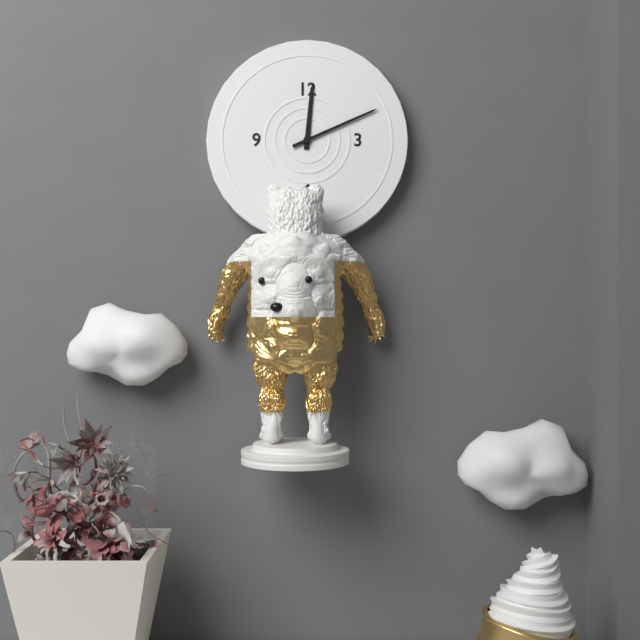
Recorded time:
12 h 11 min
